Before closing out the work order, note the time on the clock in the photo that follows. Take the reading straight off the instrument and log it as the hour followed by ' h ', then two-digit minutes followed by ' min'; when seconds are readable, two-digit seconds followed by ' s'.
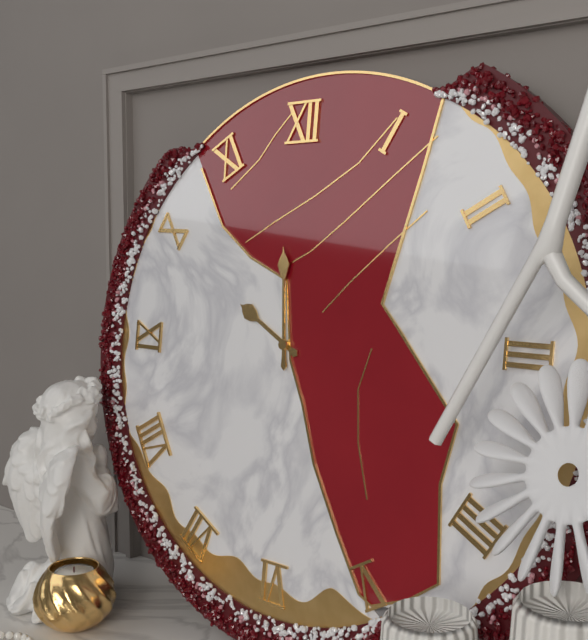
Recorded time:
9 h 59 min
